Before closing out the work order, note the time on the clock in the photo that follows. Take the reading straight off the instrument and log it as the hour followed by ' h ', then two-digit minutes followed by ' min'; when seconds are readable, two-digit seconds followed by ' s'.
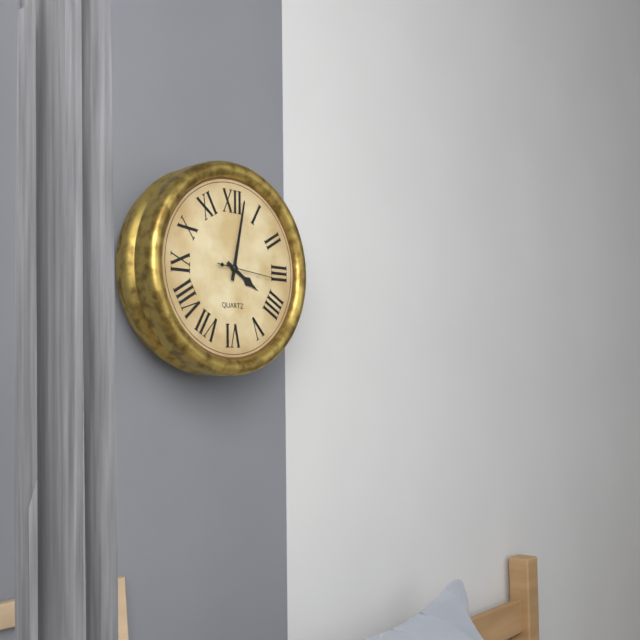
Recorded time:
4 h 02 min 16 s
